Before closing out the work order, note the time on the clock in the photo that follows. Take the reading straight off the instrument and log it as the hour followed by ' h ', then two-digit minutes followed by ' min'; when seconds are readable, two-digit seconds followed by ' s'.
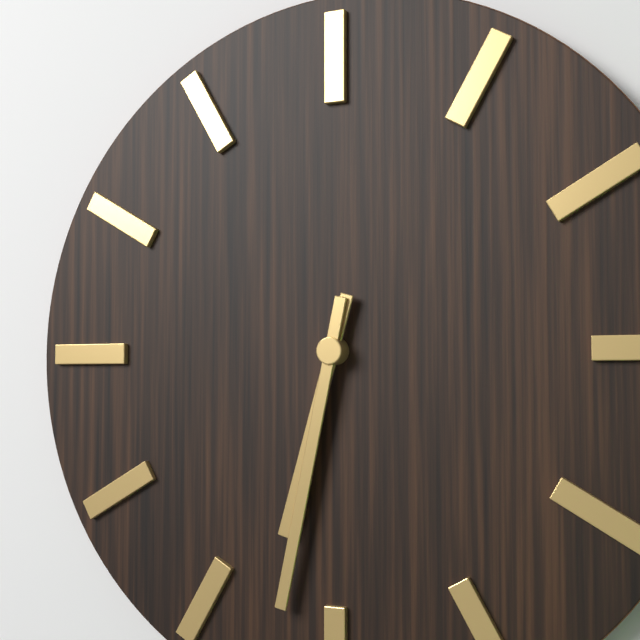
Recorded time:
6 h 32 min
